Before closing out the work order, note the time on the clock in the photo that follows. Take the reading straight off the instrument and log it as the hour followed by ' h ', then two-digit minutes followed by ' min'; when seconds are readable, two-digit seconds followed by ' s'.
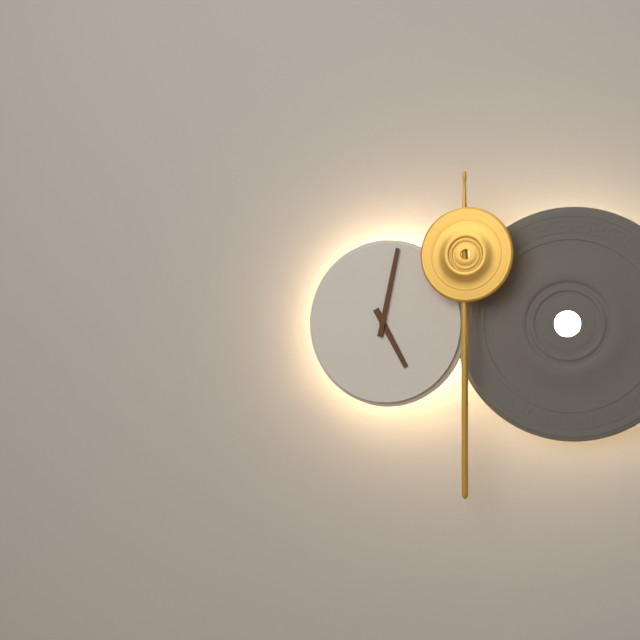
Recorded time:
5 h 02 min
